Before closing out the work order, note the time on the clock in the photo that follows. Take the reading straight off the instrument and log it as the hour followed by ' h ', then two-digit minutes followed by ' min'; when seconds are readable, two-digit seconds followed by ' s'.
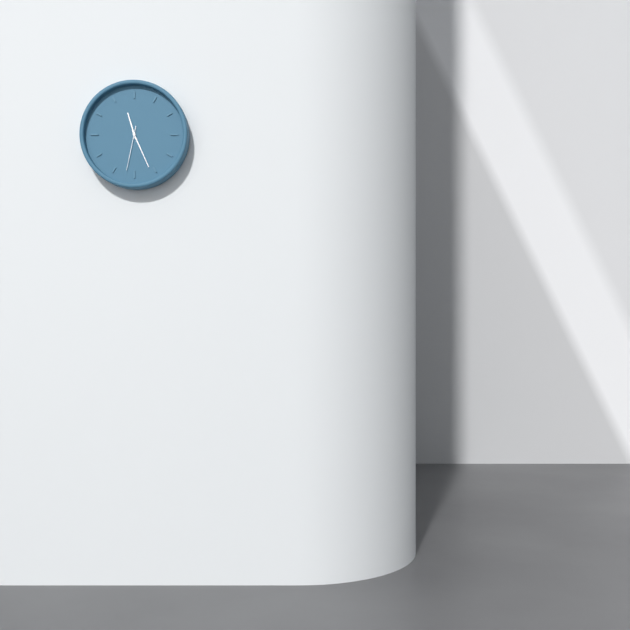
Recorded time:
11 h 26 min
